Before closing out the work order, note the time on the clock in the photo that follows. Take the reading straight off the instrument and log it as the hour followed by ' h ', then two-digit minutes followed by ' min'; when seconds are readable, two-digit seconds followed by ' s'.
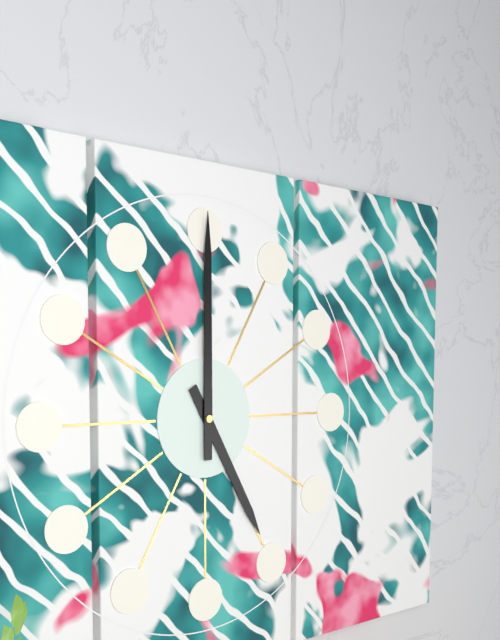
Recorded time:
5 h 00 min
